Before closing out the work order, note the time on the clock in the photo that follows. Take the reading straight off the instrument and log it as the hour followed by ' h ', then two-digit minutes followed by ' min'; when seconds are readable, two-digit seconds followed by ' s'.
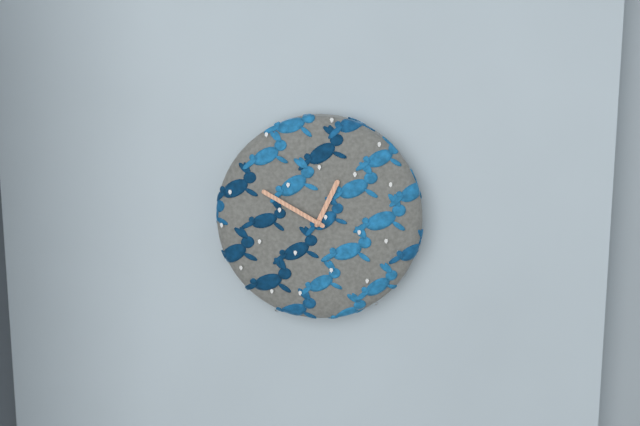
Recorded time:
12 h 50 min
